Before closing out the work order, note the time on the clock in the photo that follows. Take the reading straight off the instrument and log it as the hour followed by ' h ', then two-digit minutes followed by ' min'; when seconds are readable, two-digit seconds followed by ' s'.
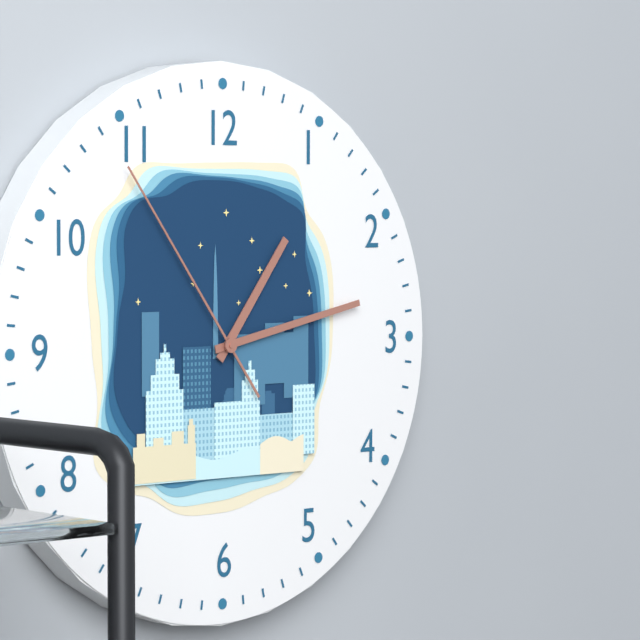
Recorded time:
1 h 13 min 54 s
